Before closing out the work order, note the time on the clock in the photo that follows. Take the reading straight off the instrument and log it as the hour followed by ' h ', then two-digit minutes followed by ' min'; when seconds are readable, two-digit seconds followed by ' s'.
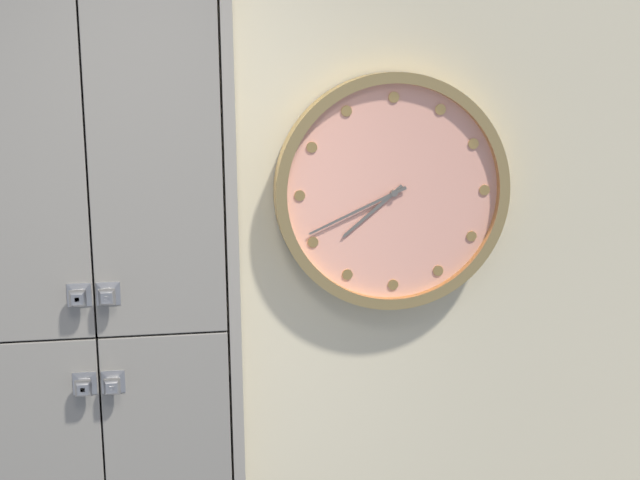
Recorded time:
7 h 41 min
